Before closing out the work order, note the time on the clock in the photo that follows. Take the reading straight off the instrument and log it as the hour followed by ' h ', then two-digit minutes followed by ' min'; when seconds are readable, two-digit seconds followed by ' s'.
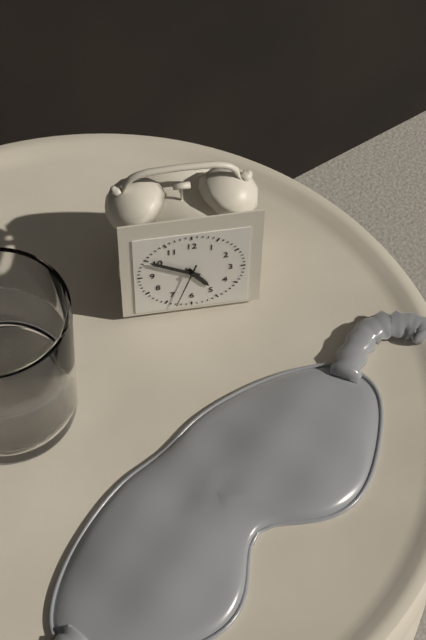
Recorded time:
4 h 50 min
